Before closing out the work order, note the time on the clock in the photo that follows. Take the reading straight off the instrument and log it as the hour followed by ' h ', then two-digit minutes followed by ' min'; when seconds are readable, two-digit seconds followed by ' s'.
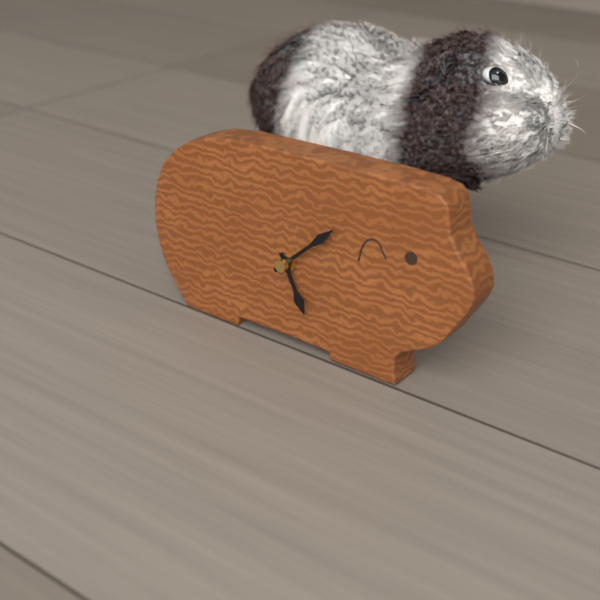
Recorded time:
5 h 08 min
